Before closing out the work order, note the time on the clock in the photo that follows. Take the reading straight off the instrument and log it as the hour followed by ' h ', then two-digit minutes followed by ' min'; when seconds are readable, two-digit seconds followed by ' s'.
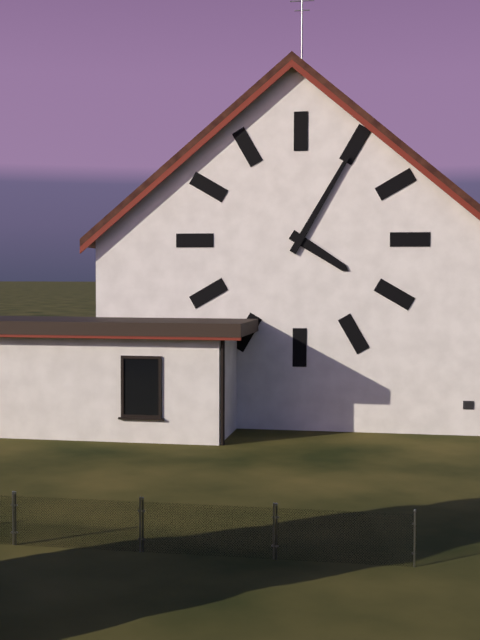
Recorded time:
4 h 05 min
